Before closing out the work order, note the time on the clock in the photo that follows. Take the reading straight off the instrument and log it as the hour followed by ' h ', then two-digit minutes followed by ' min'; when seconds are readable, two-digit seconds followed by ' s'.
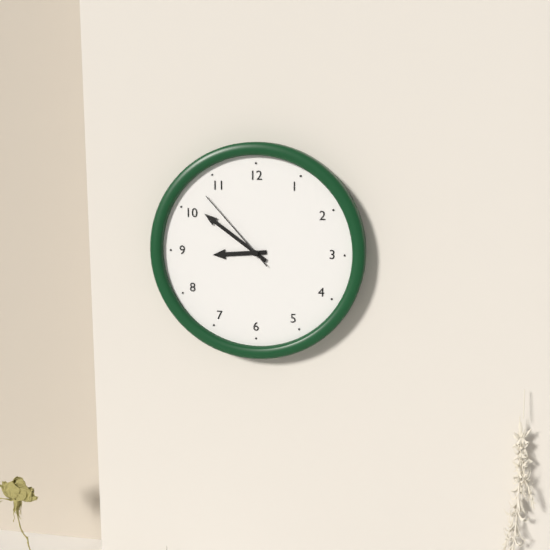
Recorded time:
8 h 51 min 53 s
